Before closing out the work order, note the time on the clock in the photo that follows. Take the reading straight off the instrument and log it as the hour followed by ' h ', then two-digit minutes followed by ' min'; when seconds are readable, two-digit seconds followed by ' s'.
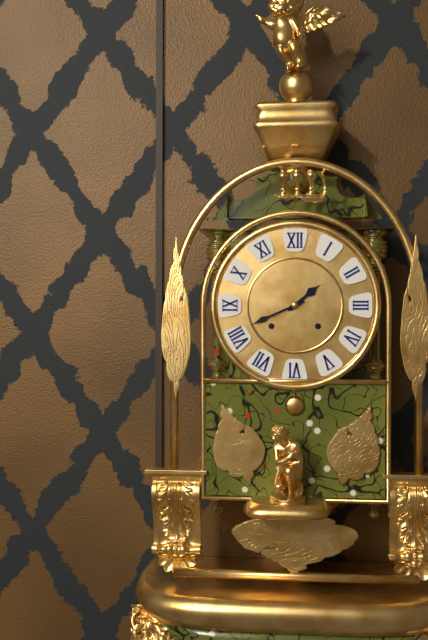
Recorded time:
1 h 41 min
